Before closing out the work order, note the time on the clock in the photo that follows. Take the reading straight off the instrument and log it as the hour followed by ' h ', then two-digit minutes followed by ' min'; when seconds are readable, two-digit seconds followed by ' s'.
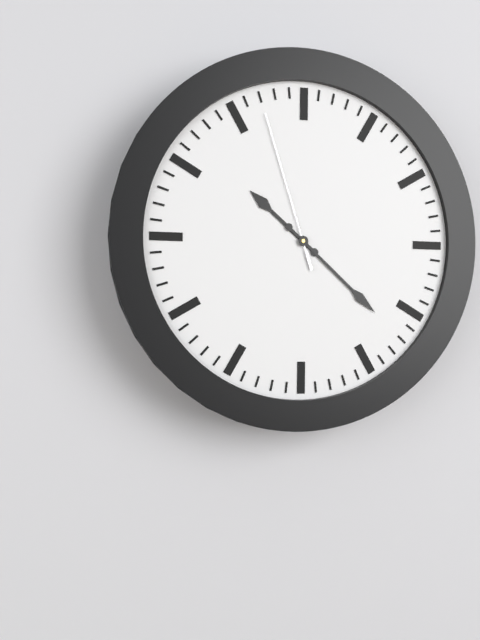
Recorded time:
10 h 22 min 57 s
